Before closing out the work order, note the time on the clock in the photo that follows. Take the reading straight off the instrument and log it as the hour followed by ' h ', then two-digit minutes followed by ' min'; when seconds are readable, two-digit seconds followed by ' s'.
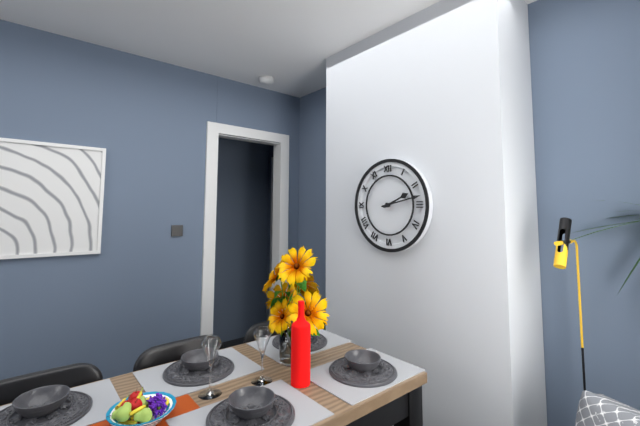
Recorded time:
2 h 13 min
